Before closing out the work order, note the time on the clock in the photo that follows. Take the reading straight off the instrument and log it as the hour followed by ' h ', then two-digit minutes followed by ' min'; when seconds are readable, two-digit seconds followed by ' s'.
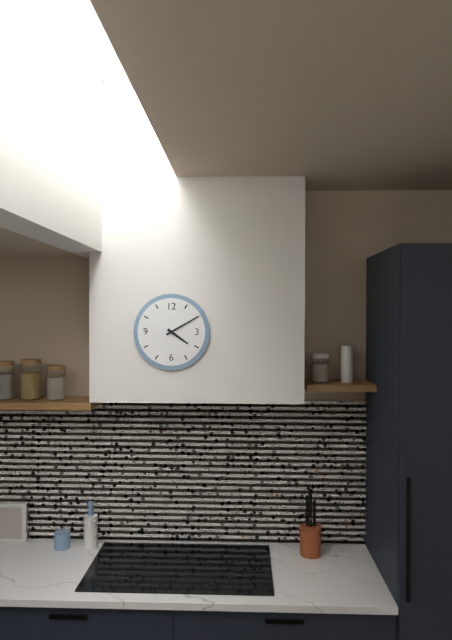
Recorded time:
4 h 10 min
